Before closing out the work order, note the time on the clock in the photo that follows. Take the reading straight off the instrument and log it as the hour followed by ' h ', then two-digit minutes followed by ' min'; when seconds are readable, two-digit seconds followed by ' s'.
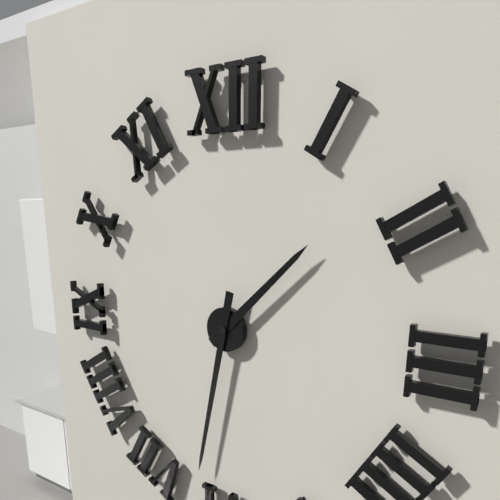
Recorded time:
1 h 32 min
